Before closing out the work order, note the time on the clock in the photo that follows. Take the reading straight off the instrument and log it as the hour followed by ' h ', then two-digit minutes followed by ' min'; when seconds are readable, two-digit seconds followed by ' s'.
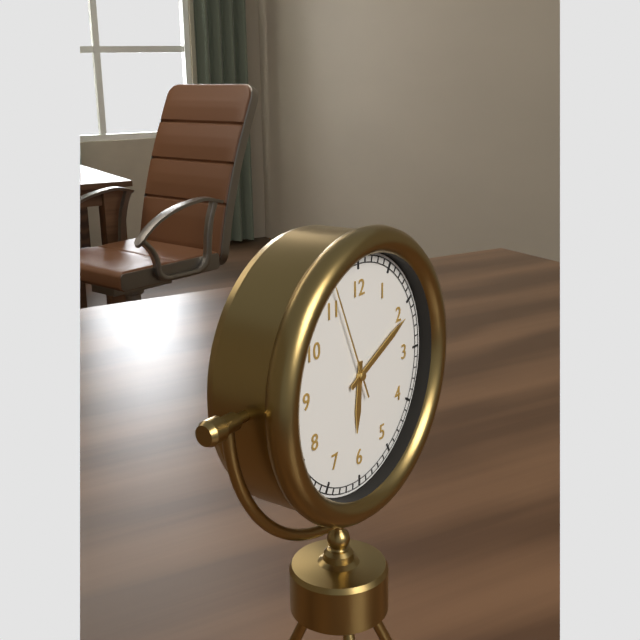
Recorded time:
6 h 11 min 56 s
